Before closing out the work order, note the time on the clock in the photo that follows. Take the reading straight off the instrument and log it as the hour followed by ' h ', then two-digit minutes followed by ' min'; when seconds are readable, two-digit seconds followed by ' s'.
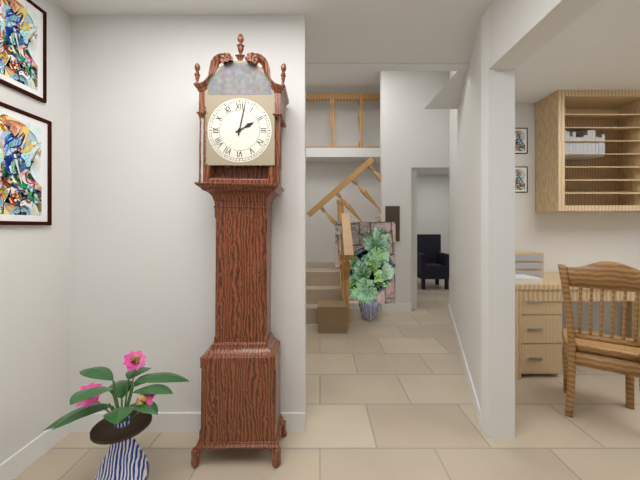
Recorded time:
2 h 02 min
